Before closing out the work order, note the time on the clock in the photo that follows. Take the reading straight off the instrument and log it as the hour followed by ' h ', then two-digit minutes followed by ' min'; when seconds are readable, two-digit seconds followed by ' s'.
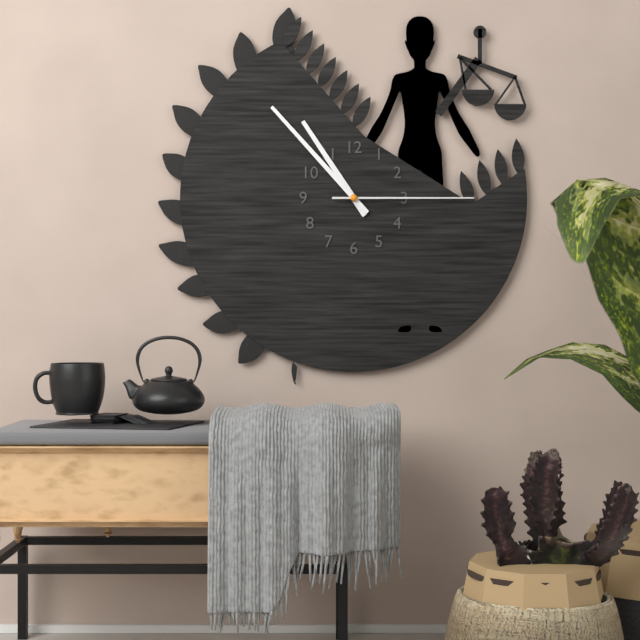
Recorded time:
10 h 53 min 15 s
